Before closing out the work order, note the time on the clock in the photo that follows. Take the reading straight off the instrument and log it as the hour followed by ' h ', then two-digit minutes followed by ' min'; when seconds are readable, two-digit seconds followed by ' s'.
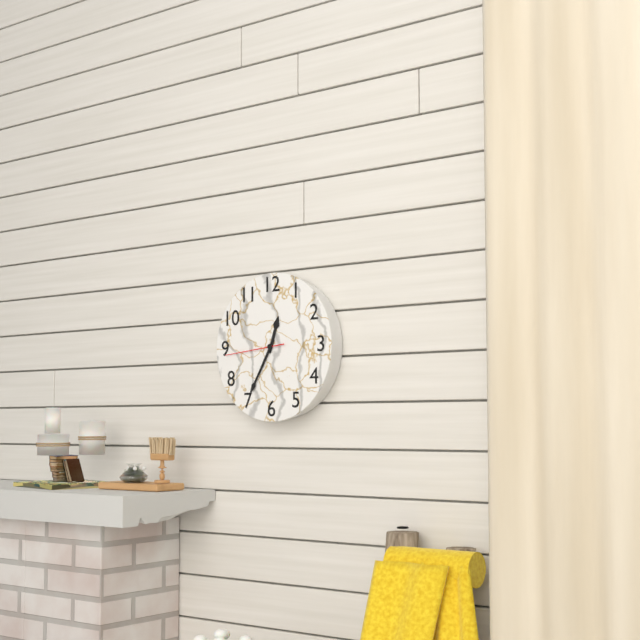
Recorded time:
12 h 35 min 44 s
